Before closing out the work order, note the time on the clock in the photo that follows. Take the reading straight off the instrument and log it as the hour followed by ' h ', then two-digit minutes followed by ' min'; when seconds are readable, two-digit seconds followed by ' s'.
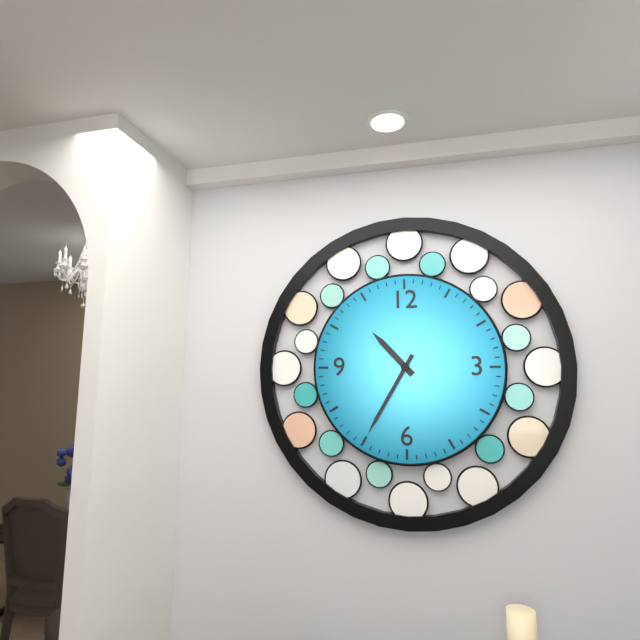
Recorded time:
10 h 35 min
